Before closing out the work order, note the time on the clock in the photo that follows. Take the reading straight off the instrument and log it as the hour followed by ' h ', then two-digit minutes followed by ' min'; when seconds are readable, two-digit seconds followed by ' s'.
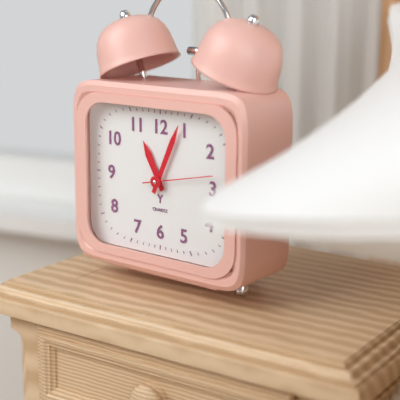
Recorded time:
11 h 04 min 13 s
